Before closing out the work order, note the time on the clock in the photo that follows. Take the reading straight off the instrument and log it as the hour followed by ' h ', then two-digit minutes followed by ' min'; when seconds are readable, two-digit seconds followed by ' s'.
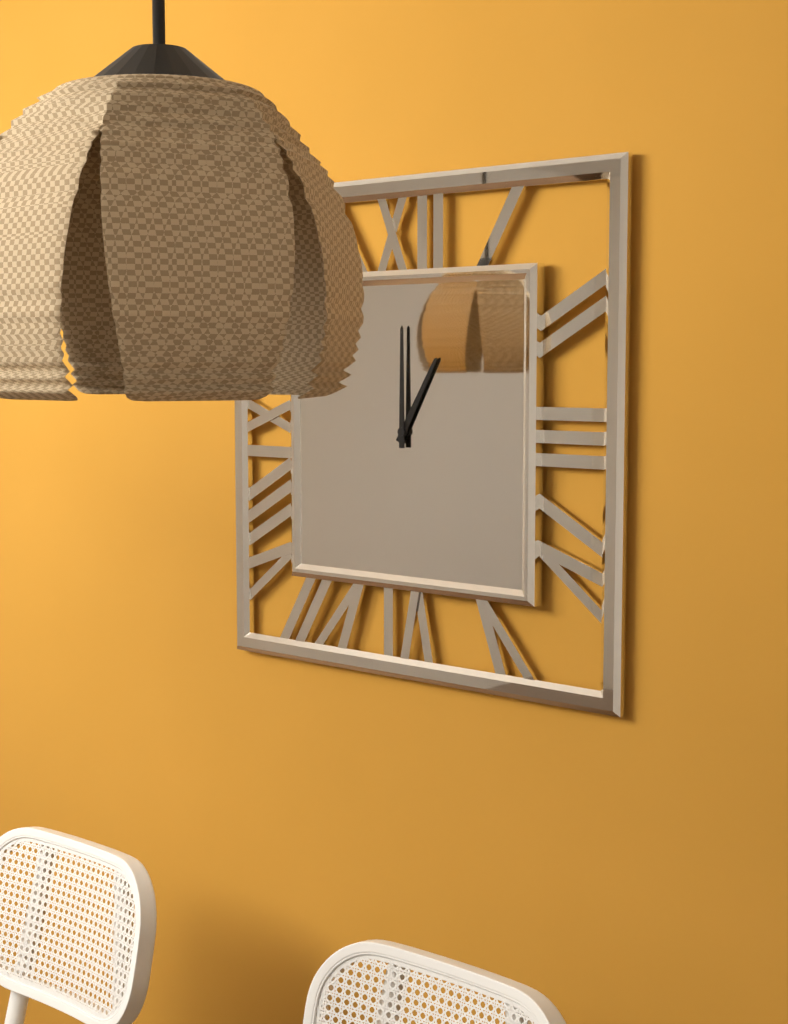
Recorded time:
1 h 00 min
